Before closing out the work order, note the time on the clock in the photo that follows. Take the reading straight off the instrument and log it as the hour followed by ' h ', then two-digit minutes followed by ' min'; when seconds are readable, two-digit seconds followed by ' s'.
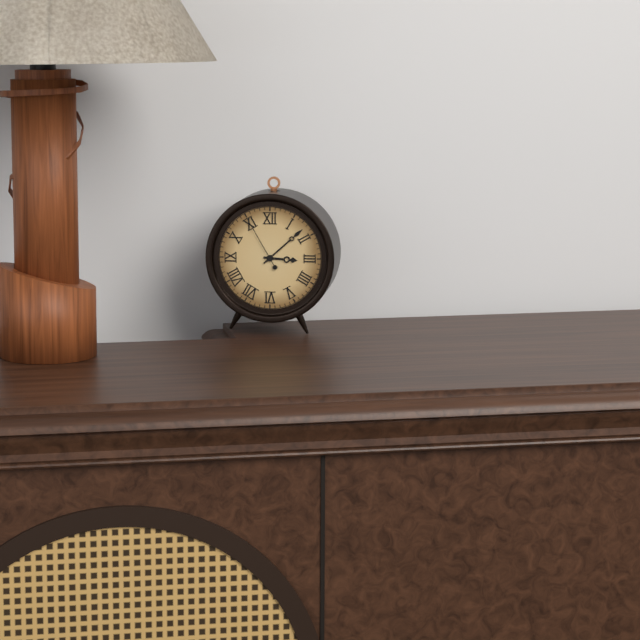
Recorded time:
3 h 08 min 55 s
